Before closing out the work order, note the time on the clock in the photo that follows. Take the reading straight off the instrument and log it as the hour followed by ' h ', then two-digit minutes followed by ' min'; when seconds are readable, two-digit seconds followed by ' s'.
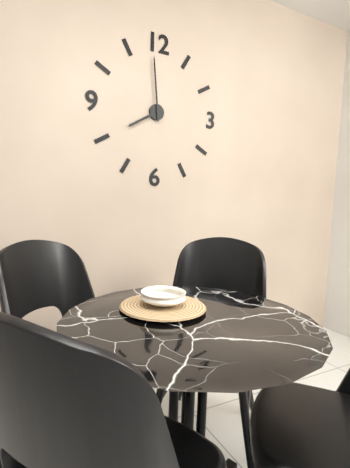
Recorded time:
7 h 59 min
